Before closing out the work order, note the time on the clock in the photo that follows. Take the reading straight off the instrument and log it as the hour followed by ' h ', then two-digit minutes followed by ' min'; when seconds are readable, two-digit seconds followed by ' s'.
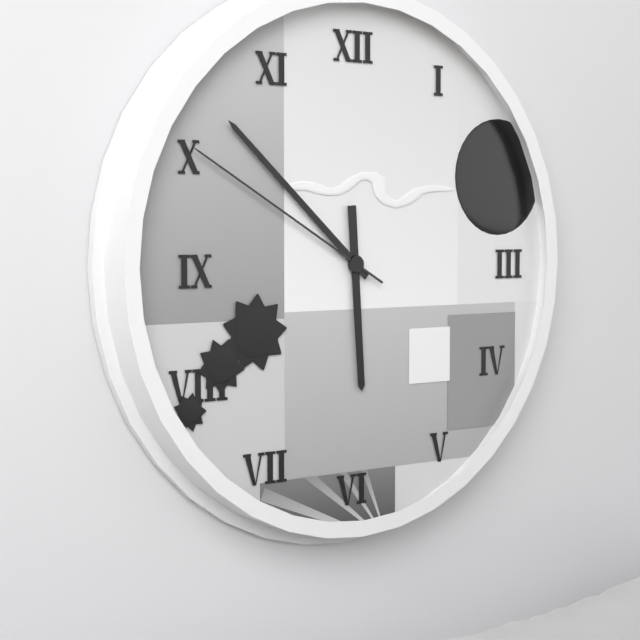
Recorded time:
5 h 52 min 50 s
